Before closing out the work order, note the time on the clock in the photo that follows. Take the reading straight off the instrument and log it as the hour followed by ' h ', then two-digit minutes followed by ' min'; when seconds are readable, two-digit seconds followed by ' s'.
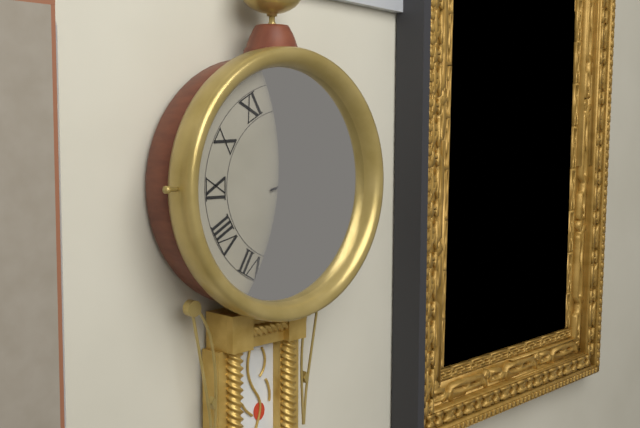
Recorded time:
6 h 13 min
